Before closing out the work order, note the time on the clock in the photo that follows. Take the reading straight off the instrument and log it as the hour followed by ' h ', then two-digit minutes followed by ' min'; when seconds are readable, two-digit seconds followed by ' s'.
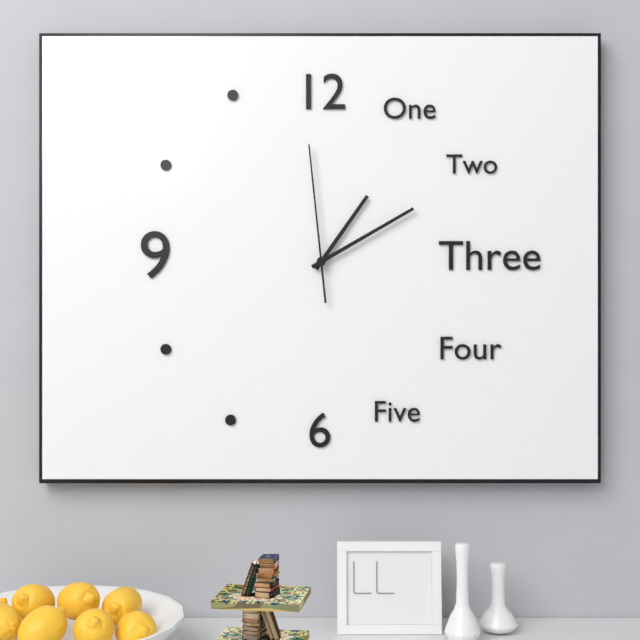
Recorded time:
1 h 10 min 59 s
